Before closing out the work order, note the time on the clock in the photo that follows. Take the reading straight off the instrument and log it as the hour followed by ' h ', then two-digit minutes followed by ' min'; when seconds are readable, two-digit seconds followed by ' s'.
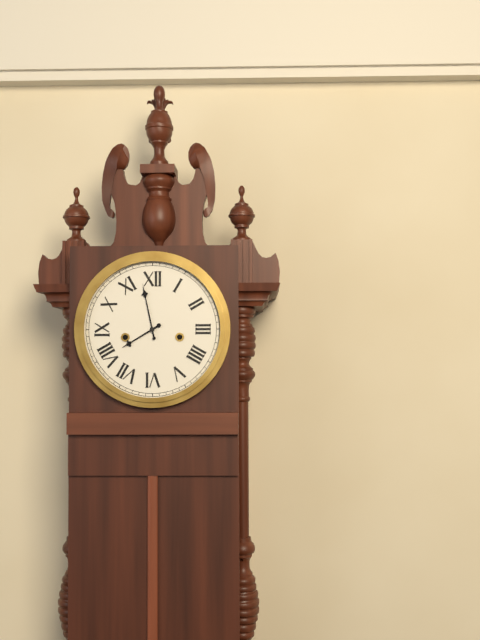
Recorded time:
7 h 58 min
